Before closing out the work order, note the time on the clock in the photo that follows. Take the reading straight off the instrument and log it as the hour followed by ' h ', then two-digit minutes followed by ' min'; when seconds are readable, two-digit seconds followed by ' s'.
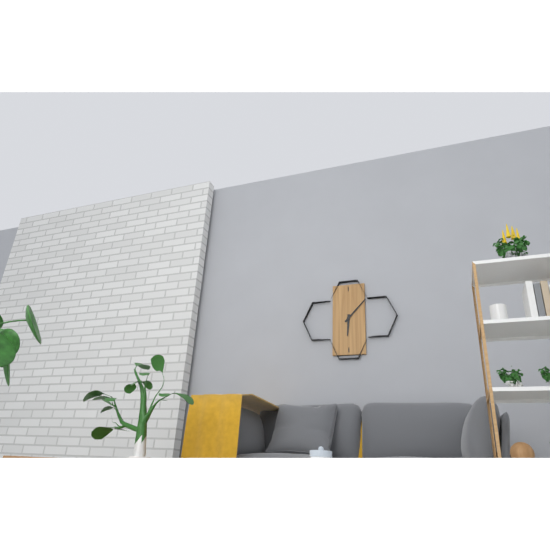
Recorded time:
6 h 07 min
